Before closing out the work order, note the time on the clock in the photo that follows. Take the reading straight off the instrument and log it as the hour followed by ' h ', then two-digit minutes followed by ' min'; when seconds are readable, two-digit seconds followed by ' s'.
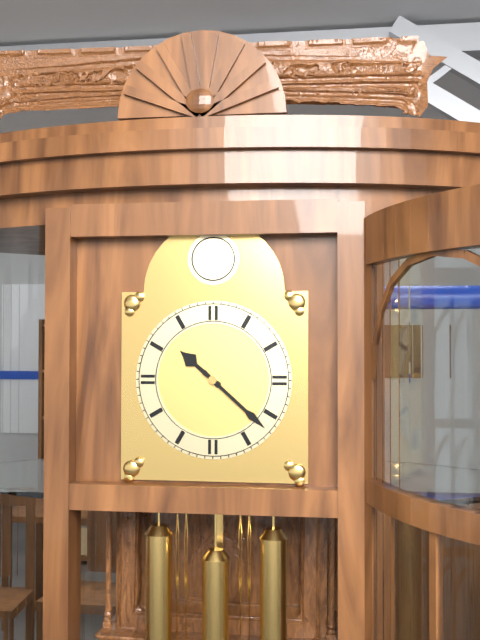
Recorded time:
10 h 22 min
